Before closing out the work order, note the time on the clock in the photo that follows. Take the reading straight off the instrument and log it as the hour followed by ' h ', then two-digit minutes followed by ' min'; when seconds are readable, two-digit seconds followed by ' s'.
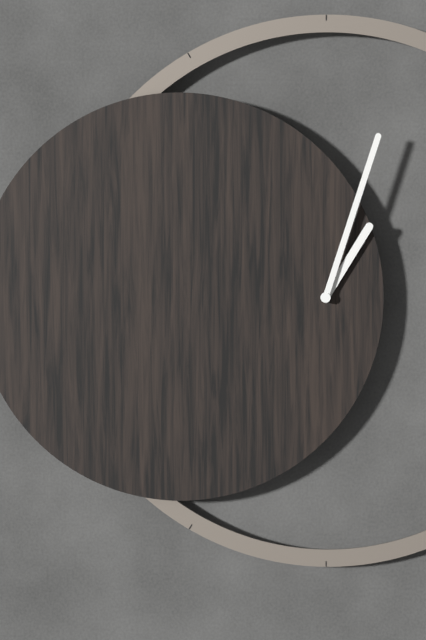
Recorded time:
1 h 03 min
